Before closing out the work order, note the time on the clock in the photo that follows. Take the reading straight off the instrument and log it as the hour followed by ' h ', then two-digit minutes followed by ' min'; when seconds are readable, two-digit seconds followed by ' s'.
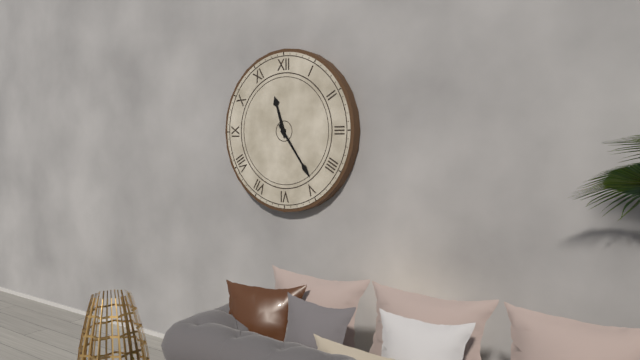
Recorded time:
11 h 24 min
